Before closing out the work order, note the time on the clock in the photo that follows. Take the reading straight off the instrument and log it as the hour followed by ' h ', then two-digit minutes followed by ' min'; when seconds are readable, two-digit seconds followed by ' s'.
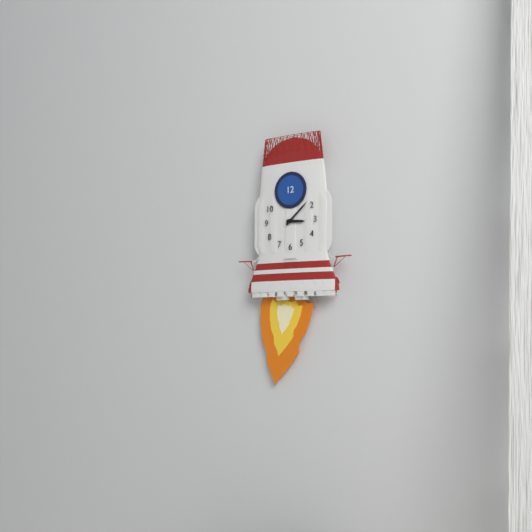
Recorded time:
3 h 08 min
